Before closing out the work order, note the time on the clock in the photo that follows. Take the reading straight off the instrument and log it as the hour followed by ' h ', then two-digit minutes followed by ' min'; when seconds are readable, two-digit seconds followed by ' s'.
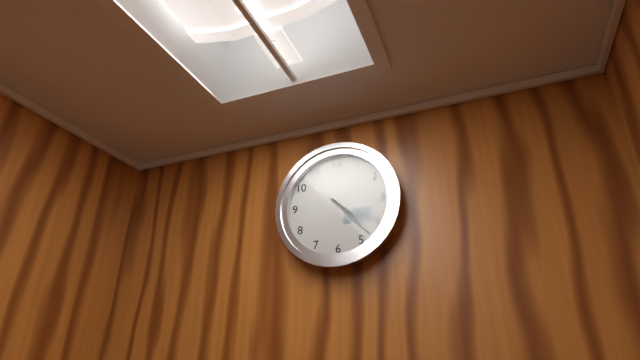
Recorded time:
4 h 23 min
